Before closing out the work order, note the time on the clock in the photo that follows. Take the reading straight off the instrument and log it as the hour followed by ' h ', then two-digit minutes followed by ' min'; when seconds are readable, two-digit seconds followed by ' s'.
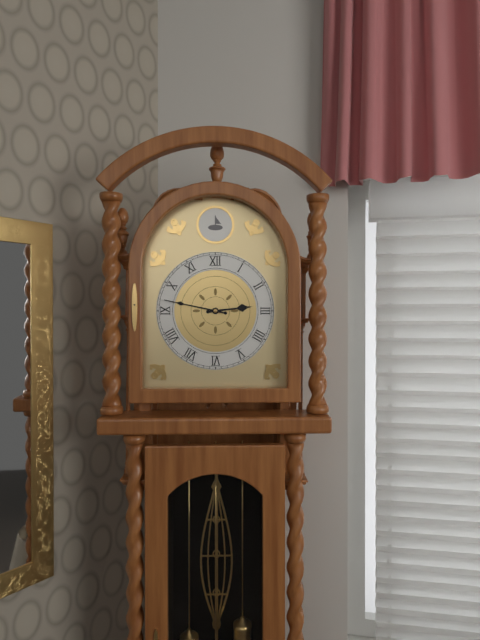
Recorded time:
2 h 47 min
